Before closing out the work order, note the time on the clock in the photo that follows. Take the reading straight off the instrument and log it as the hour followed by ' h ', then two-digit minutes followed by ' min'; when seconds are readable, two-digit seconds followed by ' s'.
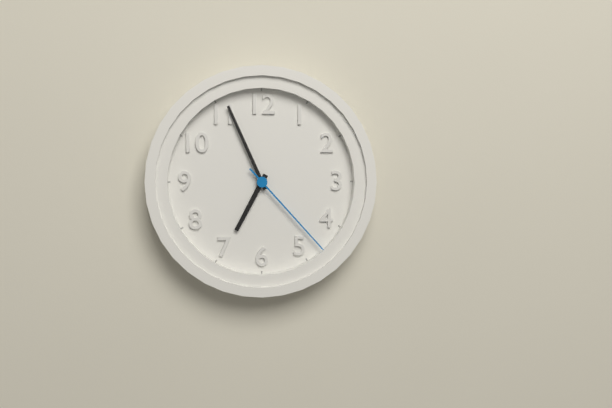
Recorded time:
6 h 56 min 23 s
